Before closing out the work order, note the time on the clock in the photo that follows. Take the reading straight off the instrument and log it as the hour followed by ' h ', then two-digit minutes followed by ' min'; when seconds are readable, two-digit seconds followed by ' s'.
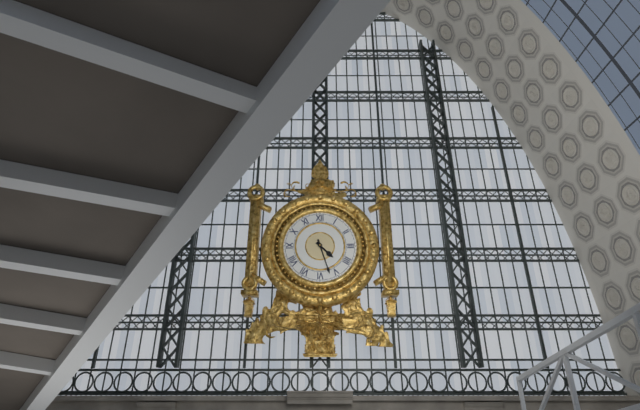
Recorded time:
4 h 27 min
